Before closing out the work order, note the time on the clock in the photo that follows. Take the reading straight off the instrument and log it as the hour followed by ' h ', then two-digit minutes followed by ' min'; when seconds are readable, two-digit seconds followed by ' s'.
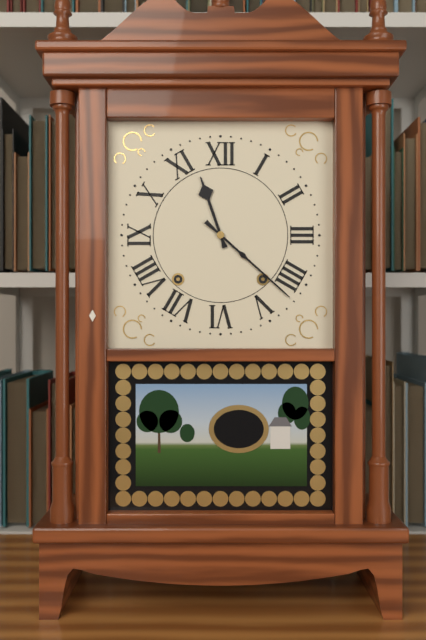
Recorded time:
11 h 22 min
